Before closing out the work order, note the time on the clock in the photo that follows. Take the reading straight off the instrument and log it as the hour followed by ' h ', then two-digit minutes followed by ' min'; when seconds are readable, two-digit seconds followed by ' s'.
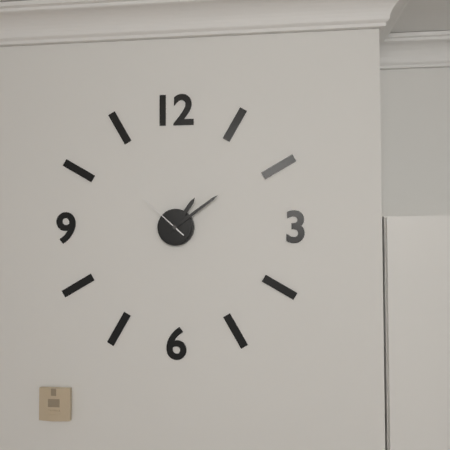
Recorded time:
1 h 09 min 52 s
